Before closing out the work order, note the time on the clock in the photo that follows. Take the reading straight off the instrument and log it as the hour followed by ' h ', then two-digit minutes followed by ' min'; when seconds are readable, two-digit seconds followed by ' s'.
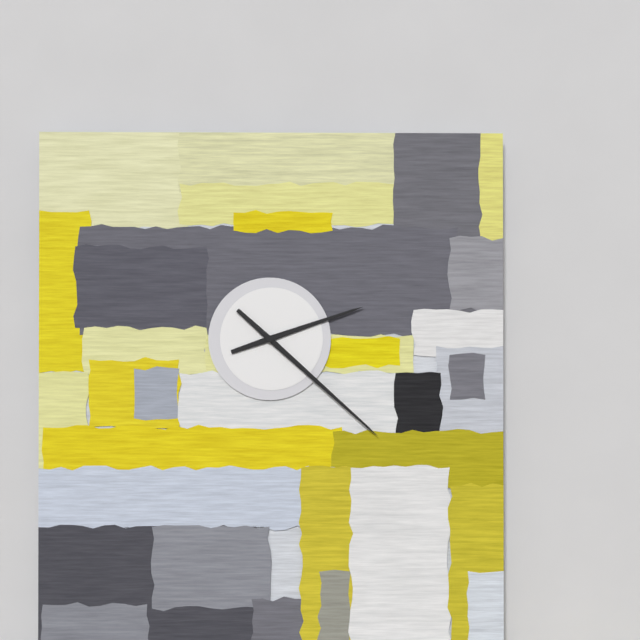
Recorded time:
2 h 22 min
